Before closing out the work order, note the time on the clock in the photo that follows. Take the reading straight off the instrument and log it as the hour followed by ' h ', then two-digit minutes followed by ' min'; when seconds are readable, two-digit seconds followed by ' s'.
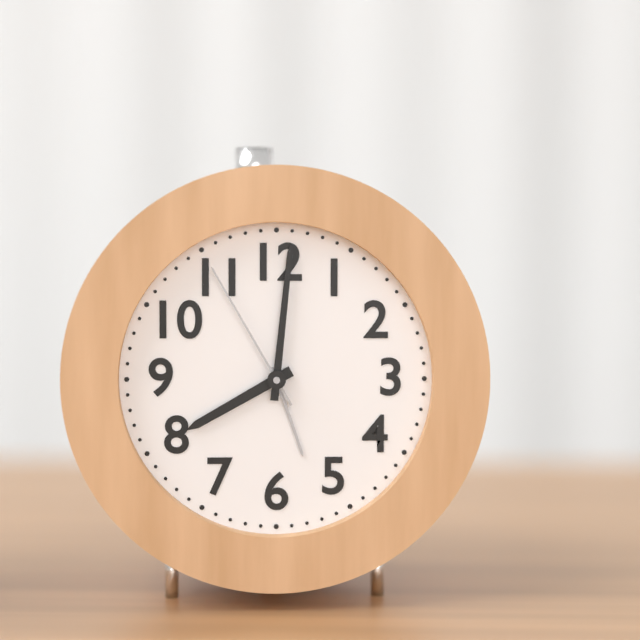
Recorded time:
8 h 01 min 55 s
